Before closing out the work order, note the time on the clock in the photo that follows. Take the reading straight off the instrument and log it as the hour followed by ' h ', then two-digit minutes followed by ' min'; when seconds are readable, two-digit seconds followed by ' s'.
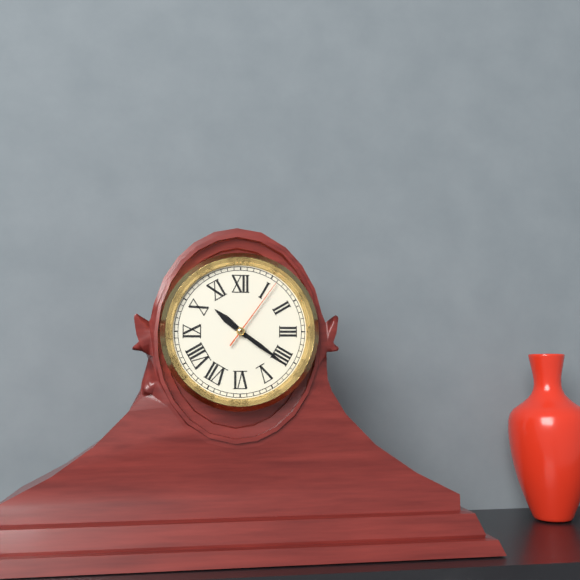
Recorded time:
10 h 21 min 06 s
